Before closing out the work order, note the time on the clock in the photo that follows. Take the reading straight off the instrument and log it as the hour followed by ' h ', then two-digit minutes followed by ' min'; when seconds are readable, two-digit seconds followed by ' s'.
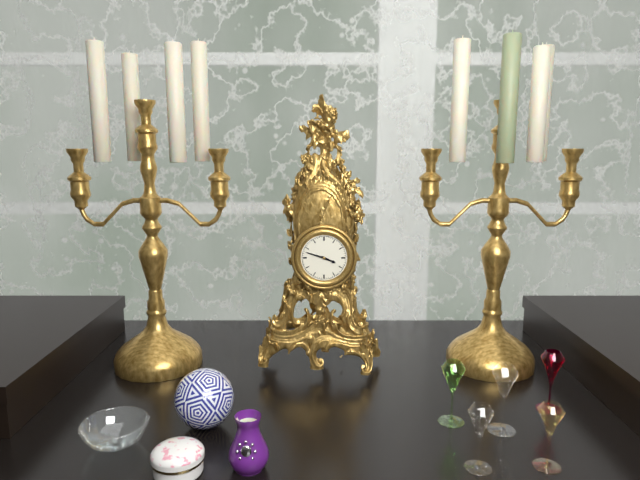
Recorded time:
3 h 48 min
